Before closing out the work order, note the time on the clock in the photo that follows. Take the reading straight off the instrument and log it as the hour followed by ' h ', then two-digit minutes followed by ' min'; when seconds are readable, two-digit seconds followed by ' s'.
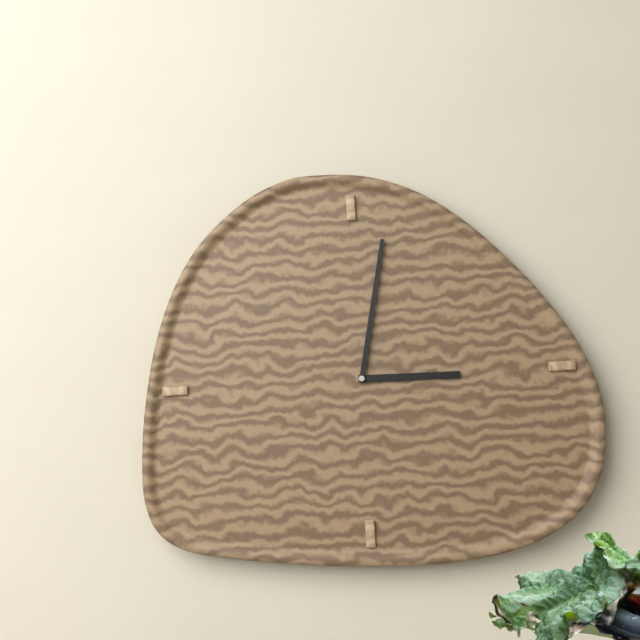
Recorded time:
3 h 02 min
